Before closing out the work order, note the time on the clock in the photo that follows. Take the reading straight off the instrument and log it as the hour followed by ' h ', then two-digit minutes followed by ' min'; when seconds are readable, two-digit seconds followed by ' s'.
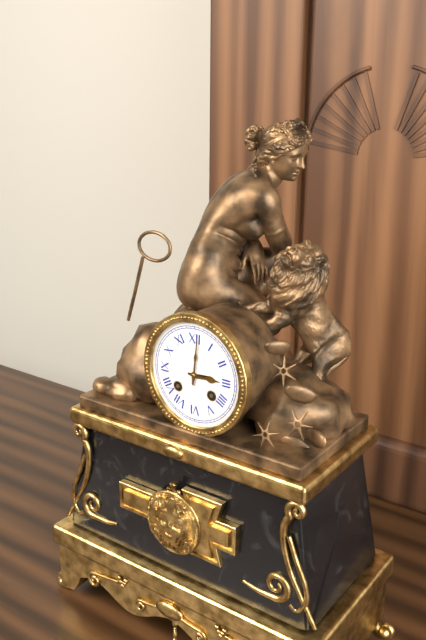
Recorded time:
3 h 01 min
